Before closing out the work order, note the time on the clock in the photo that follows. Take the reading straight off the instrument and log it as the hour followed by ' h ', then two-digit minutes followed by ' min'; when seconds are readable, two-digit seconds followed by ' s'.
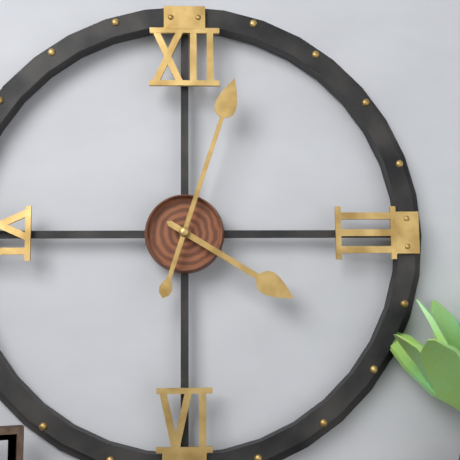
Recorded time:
4 h 03 min
